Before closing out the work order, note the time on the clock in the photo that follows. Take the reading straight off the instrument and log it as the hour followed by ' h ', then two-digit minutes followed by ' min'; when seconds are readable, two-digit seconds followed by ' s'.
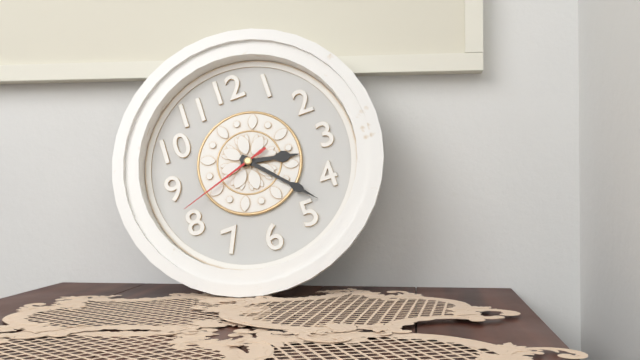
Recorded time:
3 h 23 min 42 s
